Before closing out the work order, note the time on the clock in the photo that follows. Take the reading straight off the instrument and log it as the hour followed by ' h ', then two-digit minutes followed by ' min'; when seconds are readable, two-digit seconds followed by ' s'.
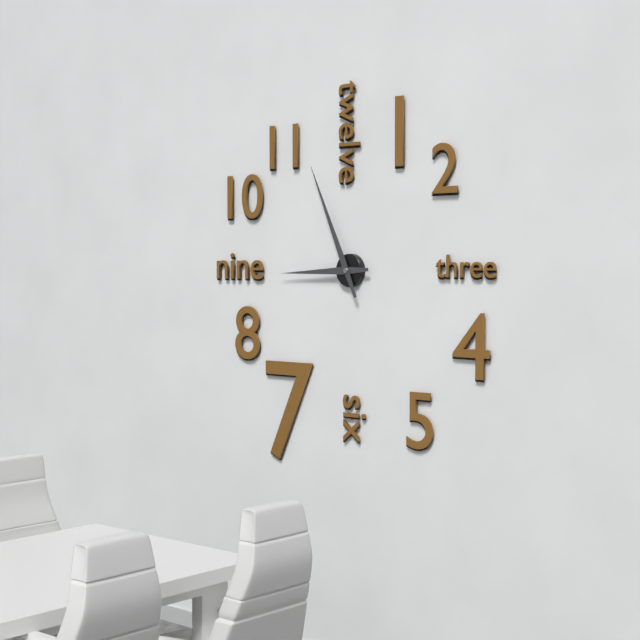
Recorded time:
8 h 56 min
